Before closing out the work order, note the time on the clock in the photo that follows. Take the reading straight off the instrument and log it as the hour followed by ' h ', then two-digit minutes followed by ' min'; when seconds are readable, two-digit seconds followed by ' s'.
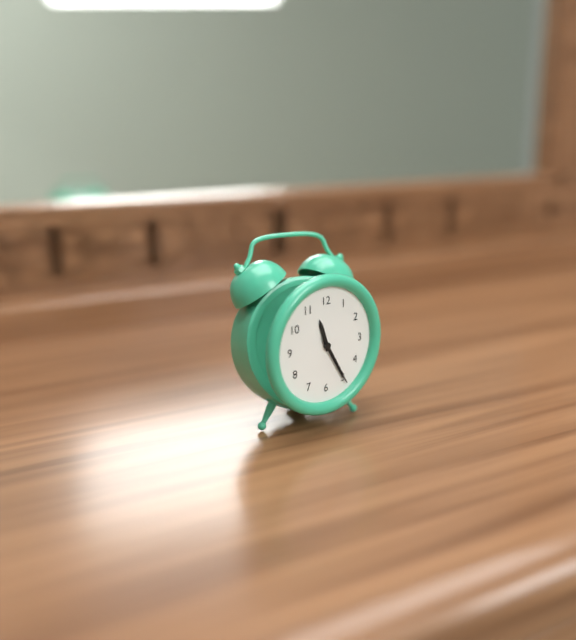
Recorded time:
11 h 25 min 25 s
